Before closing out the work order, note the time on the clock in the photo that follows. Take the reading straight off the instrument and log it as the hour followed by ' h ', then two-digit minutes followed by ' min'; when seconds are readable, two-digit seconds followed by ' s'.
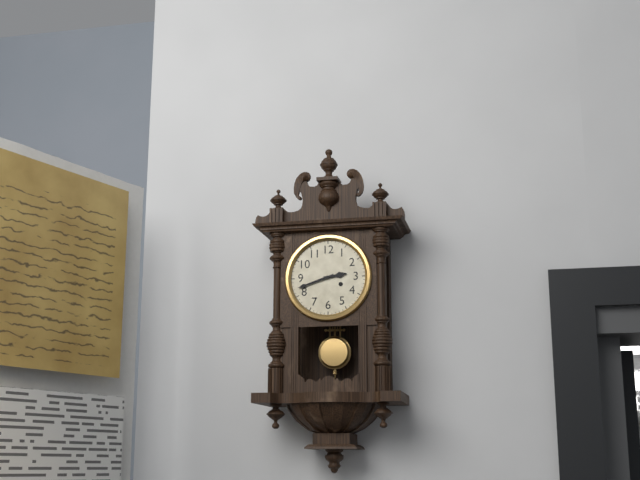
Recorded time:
2 h 42 min
